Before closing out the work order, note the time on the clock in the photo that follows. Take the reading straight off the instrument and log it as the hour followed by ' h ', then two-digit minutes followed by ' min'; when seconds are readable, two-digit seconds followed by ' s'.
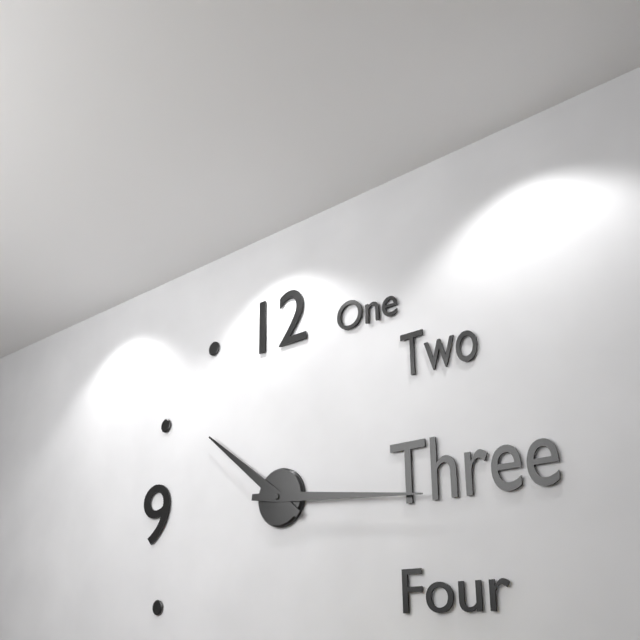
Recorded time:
10 h 16 min
